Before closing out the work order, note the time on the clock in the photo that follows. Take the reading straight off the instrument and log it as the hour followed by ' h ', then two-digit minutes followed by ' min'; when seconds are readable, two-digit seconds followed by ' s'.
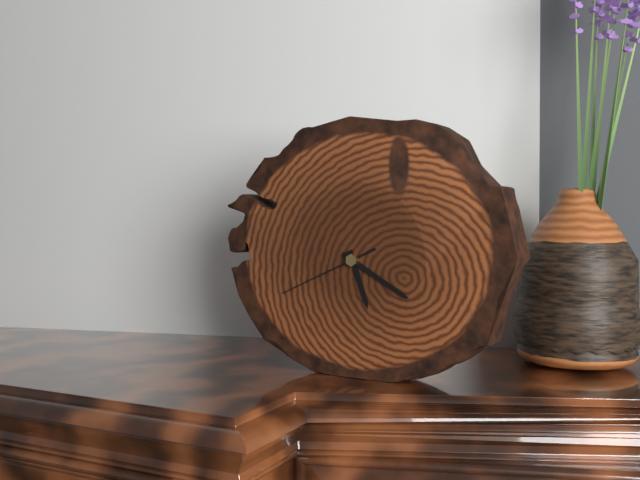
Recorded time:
5 h 20 min 41 s
